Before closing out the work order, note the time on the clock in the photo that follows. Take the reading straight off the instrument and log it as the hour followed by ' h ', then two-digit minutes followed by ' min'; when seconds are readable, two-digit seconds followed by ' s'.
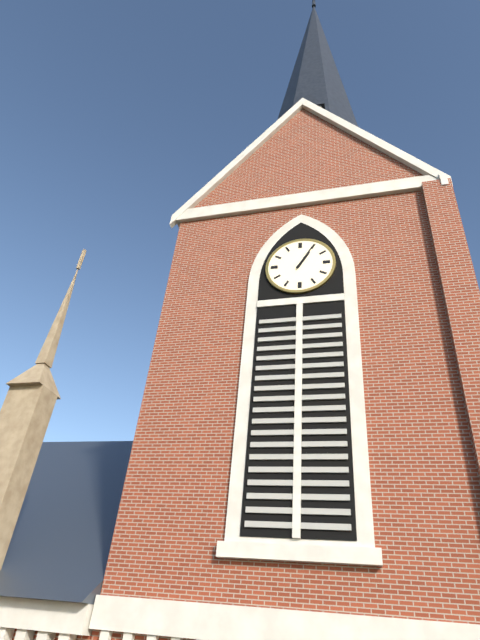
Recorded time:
1 h 05 min
